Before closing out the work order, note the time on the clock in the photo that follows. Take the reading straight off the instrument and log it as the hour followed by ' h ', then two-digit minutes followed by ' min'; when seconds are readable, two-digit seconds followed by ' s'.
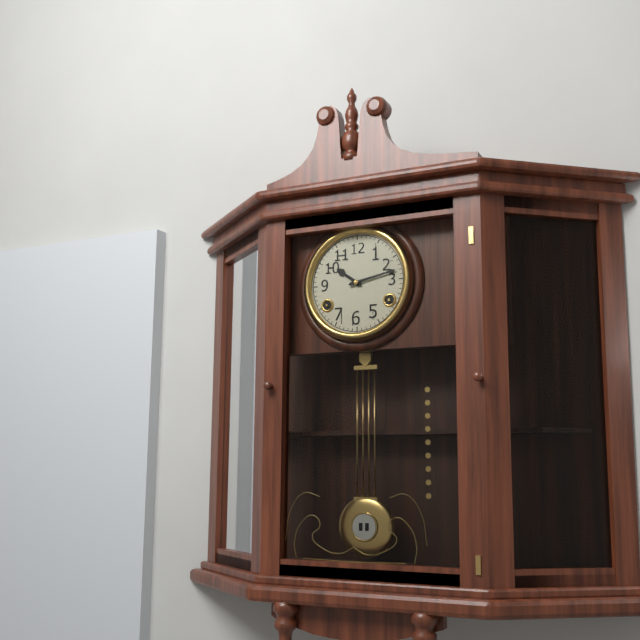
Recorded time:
10 h 13 min
